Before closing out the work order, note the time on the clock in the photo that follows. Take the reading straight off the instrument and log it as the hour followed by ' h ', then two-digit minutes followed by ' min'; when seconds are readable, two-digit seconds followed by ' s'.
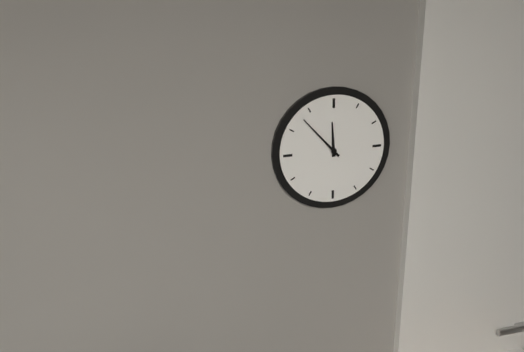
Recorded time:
11 h 53 min
